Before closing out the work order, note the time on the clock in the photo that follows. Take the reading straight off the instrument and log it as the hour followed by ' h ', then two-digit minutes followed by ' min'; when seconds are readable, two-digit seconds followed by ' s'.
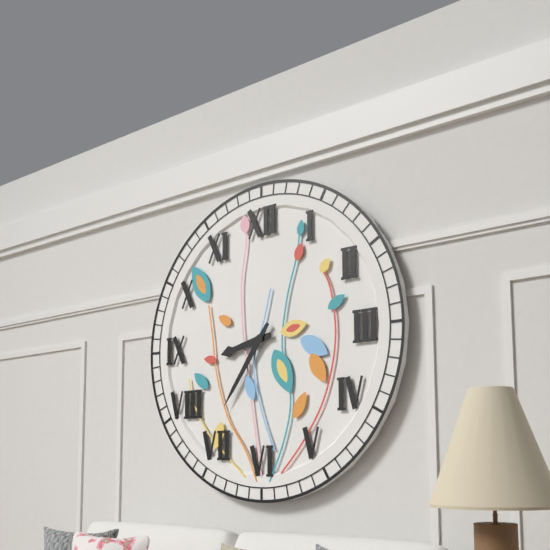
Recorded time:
8 h 36 min
